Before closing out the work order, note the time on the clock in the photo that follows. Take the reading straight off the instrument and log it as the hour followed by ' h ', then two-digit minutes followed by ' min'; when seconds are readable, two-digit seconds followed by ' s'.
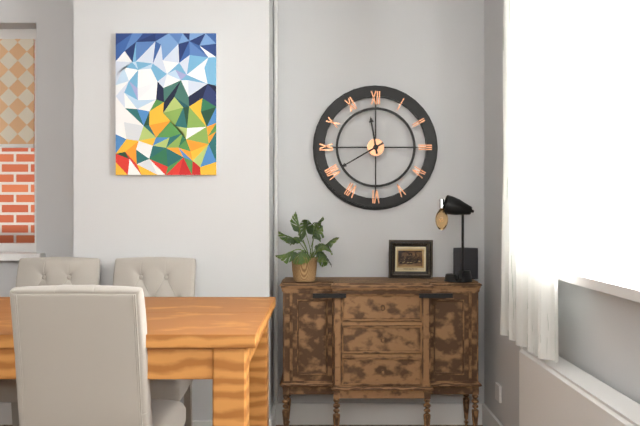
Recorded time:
11 h 40 min
